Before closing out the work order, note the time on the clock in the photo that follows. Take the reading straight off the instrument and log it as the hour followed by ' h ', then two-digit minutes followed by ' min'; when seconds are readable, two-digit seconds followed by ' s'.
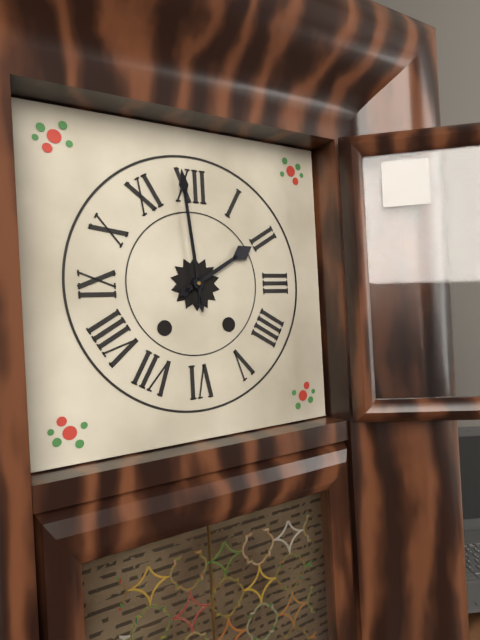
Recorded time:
1 h 59 min
